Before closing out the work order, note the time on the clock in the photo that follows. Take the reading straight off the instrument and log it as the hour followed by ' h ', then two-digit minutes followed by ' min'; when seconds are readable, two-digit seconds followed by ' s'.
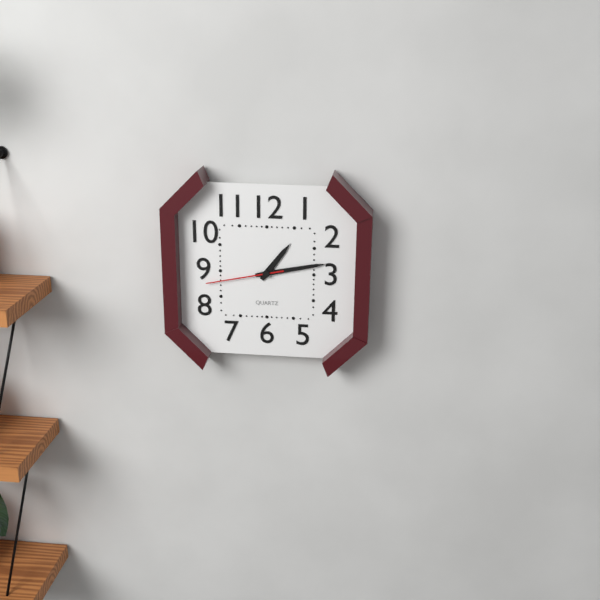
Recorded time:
1 h 13 min 43 s
